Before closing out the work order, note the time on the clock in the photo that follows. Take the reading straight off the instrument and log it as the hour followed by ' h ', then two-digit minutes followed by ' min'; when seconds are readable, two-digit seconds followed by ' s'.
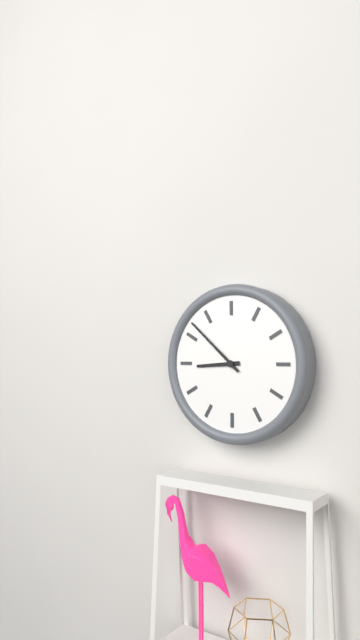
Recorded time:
8 h 52 min
